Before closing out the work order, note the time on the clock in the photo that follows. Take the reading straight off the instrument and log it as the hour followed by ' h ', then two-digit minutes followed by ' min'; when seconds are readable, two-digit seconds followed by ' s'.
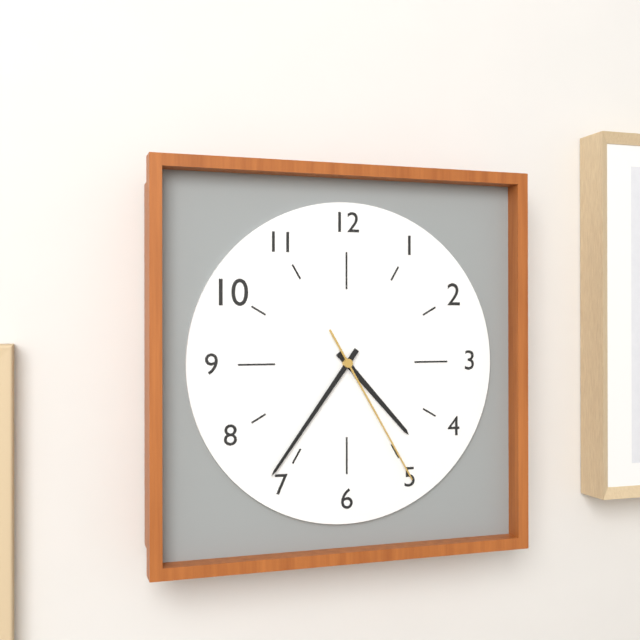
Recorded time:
4 h 36 min 25 s
